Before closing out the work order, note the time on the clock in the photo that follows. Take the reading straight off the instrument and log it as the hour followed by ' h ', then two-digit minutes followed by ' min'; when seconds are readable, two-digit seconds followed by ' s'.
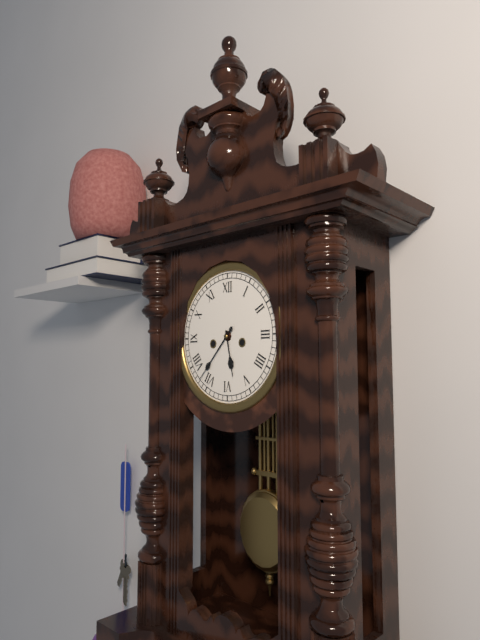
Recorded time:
5 h 37 min
